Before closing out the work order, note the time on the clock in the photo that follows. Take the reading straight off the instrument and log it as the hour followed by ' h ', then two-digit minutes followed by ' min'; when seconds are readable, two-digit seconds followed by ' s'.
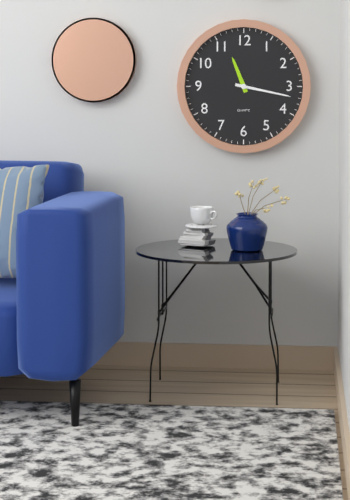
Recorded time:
11 h 17 min
